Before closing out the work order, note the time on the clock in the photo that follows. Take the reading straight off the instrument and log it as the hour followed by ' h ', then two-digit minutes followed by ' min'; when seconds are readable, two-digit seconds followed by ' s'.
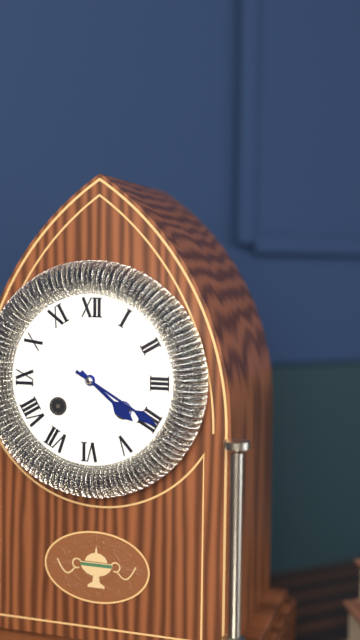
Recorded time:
4 h 20 min
